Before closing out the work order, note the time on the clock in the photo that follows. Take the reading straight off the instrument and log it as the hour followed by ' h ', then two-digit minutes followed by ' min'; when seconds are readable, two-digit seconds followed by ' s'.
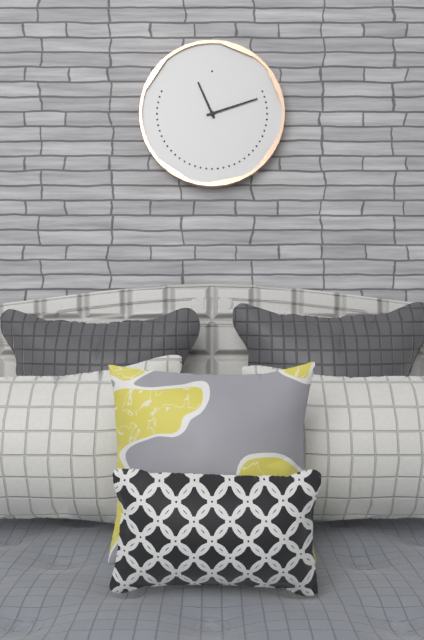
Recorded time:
11 h 12 min
